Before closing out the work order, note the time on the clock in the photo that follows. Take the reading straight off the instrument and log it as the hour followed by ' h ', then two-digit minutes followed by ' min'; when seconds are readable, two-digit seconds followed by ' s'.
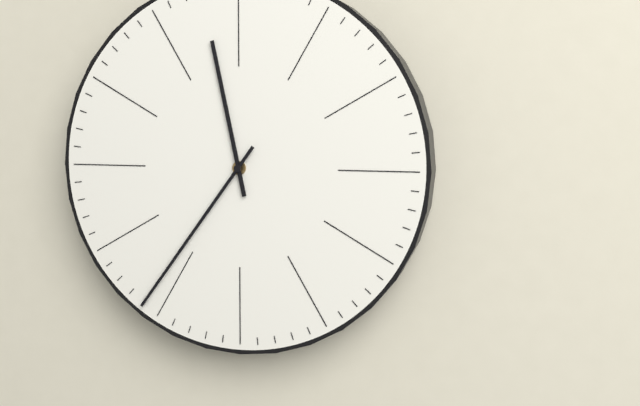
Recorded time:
11 h 36 min
